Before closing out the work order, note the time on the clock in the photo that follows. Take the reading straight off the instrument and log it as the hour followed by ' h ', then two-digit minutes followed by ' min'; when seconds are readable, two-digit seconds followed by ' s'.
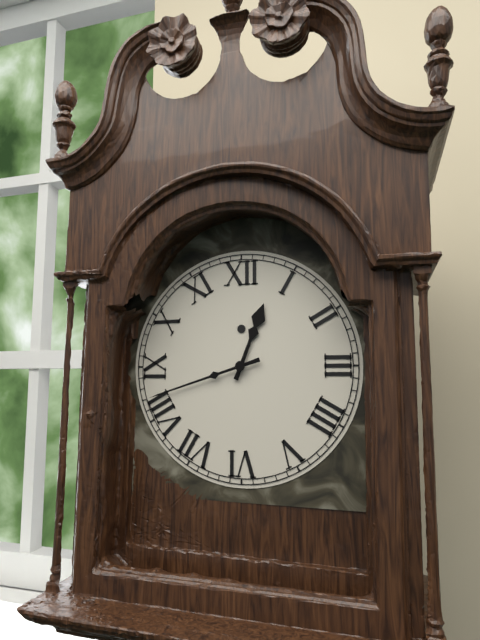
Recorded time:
12 h 42 min
